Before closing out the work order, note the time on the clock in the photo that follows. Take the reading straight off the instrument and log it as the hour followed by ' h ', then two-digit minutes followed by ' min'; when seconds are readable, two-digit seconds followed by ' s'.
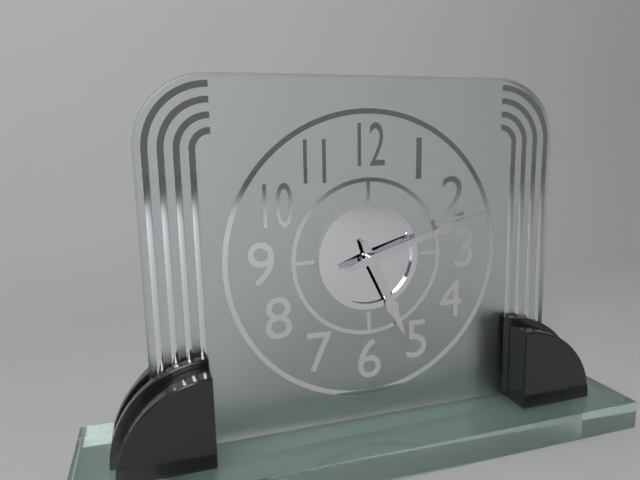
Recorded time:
5 h 12 min
